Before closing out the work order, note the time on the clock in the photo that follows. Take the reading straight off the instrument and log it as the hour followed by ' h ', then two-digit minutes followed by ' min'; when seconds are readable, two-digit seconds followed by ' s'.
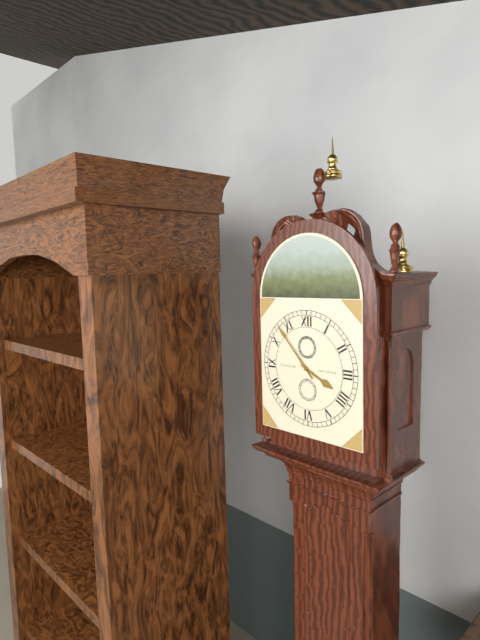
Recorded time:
3 h 53 min
